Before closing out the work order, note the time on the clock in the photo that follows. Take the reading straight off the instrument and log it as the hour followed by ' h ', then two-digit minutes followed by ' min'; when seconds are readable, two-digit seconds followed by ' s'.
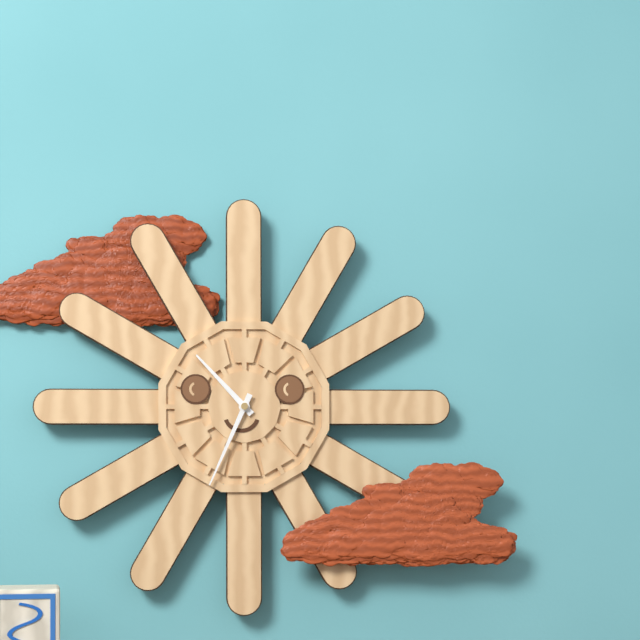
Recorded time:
10 h 34 min
